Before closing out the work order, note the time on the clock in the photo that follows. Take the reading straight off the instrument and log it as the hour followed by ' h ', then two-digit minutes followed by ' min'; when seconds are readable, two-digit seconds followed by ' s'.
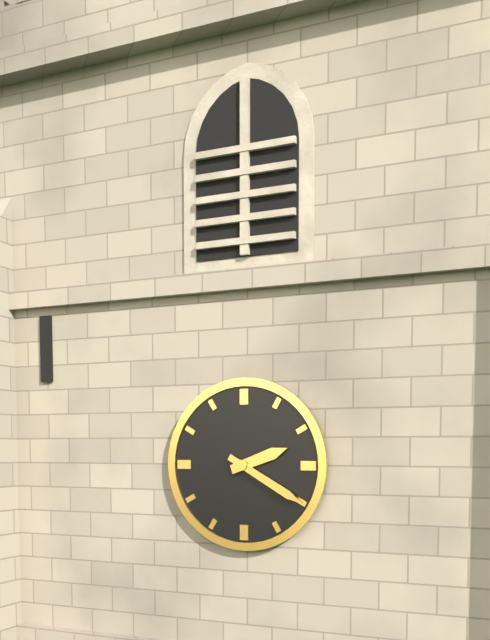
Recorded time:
2 h 20 min
